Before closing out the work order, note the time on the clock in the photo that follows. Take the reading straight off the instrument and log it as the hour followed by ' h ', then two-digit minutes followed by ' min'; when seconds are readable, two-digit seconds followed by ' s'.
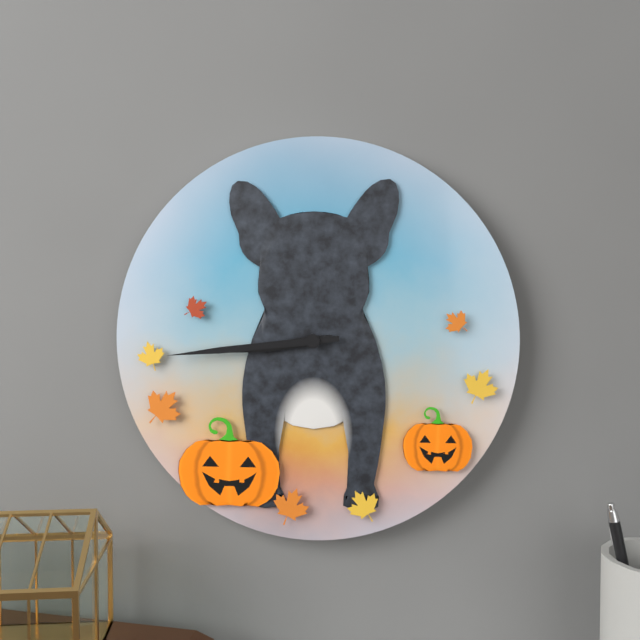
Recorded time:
8 h 44 min
